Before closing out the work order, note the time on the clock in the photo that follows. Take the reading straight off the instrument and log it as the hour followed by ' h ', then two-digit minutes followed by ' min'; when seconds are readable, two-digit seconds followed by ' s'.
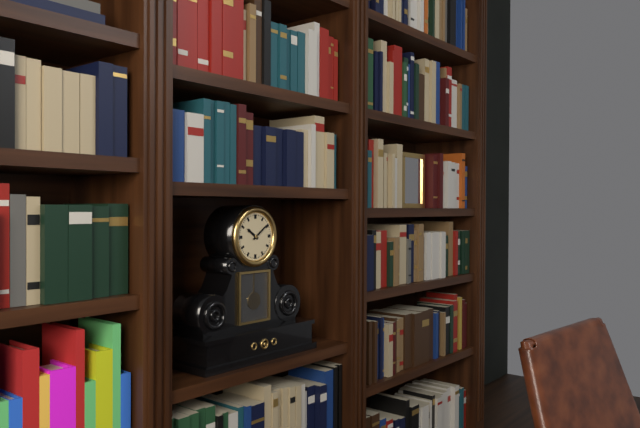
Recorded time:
10 h 09 min
